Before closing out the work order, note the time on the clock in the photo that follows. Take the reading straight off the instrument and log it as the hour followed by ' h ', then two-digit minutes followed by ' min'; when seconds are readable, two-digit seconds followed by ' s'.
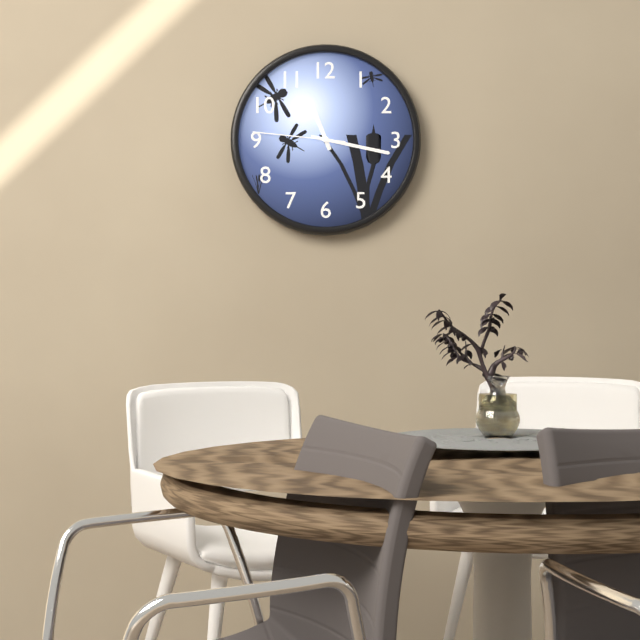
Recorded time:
11 h 17 min 46 s
